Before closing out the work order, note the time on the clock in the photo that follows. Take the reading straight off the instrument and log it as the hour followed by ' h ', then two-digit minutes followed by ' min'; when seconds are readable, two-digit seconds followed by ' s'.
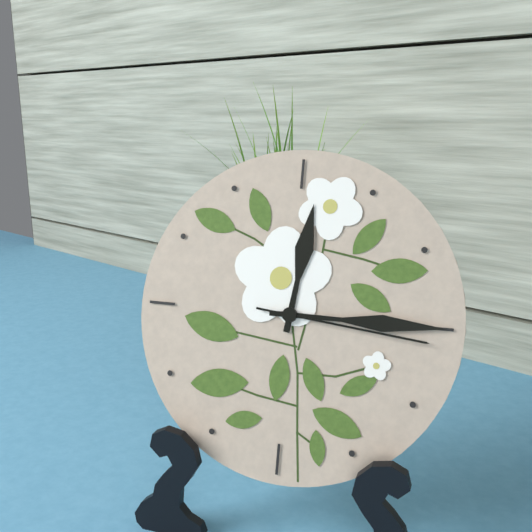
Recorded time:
12 h 15 min 16 s
